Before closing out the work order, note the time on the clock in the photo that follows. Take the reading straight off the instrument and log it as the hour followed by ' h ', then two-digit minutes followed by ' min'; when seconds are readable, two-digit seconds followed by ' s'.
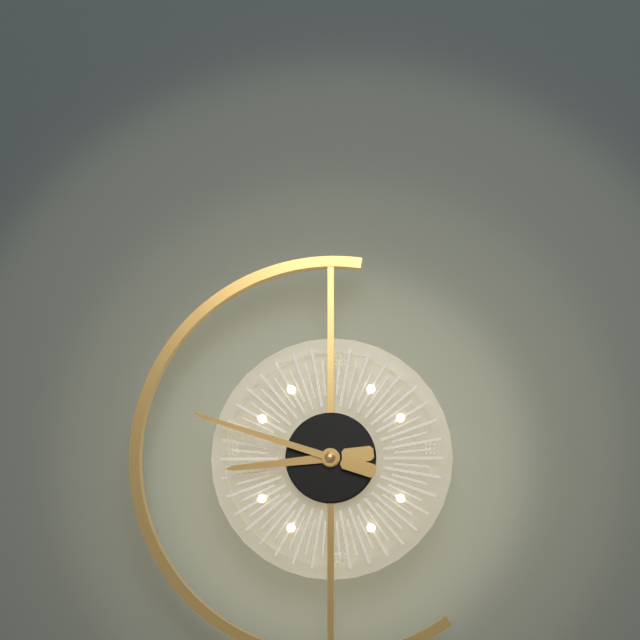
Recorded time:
8 h 48 min
